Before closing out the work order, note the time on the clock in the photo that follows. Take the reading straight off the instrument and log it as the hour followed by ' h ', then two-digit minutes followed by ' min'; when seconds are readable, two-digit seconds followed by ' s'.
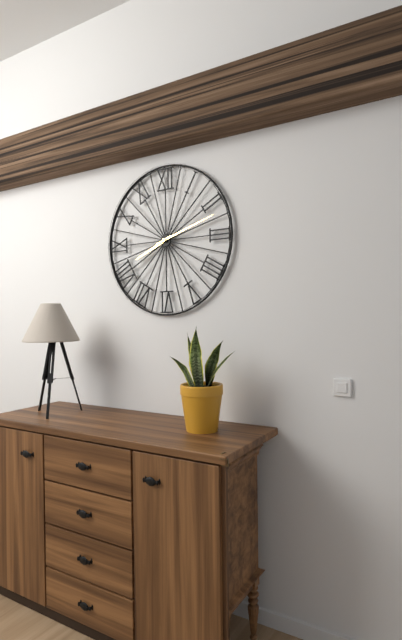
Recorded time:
8 h 12 min
